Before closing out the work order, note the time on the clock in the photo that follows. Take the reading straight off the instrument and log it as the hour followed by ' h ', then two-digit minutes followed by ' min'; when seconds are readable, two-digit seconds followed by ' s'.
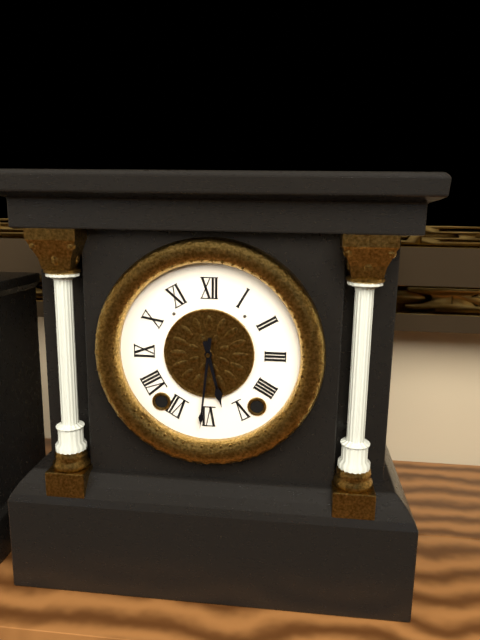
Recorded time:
5 h 31 min
